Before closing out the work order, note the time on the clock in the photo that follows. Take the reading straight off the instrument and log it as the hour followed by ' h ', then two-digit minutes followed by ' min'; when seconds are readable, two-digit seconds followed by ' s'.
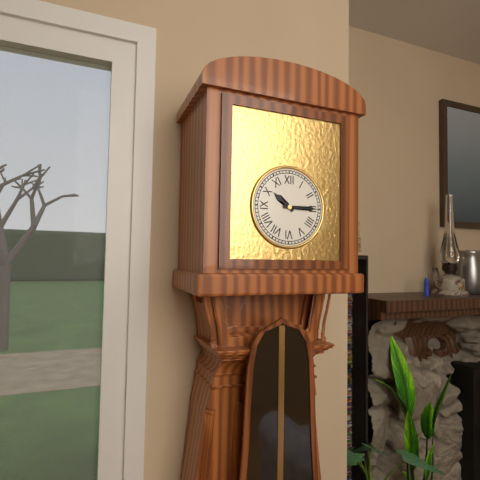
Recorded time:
10 h 15 min
